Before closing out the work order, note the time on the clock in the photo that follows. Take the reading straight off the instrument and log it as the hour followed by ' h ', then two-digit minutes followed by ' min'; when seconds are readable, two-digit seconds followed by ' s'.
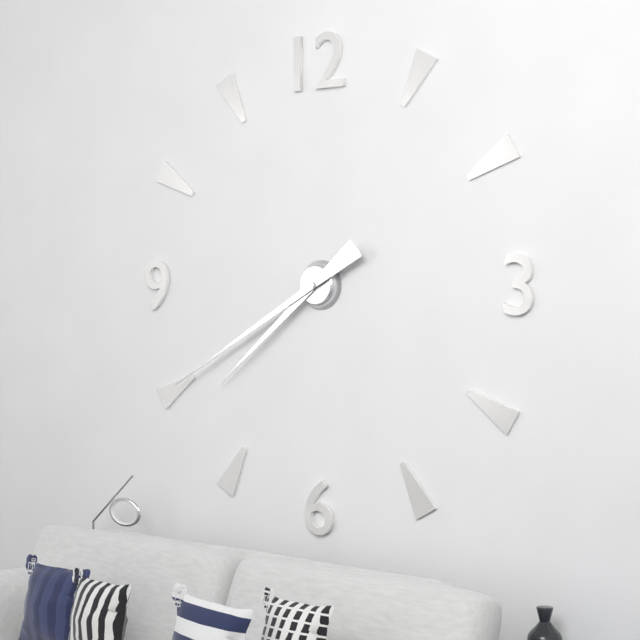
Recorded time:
7 h 40 min
